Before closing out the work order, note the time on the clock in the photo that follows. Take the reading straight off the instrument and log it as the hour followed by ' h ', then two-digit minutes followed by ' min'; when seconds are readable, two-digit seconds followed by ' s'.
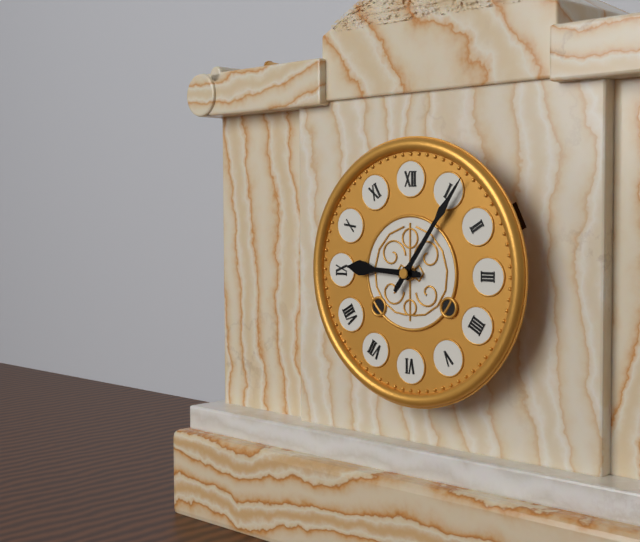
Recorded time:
9 h 06 min
